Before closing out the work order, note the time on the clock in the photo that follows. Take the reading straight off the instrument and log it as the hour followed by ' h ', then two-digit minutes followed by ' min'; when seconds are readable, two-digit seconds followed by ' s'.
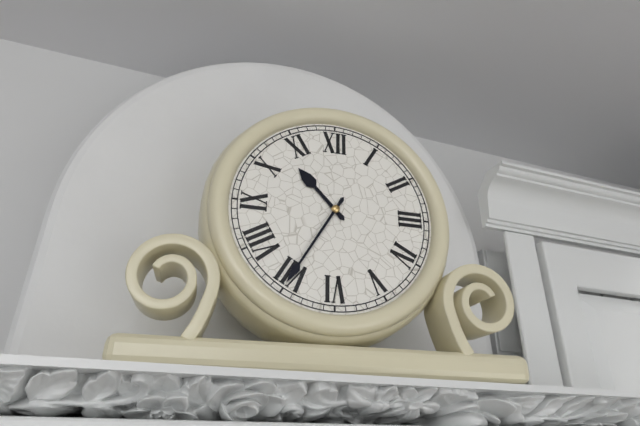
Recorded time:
10 h 35 min
